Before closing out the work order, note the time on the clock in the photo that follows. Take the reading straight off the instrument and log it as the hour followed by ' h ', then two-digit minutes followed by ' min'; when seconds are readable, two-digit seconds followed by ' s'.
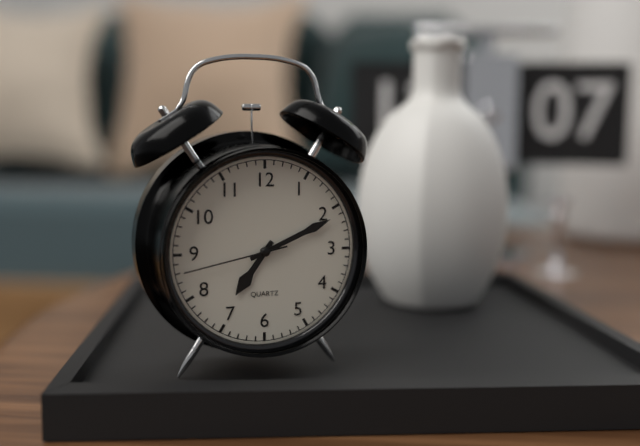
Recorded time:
7 h 11 min 43 s
